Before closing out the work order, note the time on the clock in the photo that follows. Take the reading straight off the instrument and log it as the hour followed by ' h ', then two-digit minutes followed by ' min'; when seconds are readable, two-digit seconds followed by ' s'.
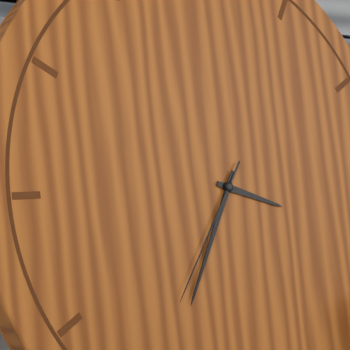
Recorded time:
3 h 35 min 36 s
